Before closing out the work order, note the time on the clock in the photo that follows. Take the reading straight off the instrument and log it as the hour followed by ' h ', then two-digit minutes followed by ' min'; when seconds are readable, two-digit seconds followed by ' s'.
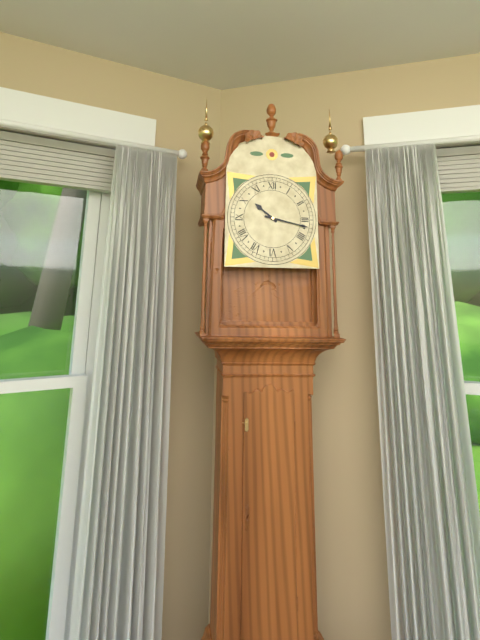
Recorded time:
10 h 17 min
